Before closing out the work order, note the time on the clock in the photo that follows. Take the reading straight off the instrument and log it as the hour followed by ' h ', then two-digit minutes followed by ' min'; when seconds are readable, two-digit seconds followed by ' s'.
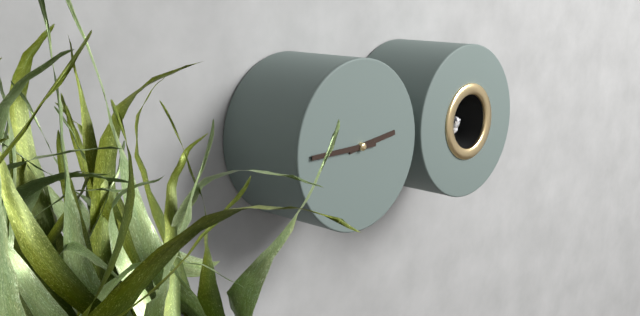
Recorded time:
2 h 45 min
